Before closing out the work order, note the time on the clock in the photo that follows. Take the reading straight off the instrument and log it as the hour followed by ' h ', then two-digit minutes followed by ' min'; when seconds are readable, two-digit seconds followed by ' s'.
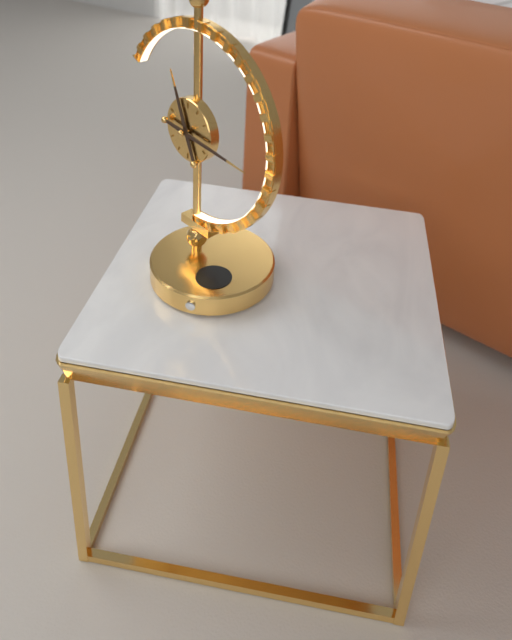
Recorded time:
11 h 16 min
